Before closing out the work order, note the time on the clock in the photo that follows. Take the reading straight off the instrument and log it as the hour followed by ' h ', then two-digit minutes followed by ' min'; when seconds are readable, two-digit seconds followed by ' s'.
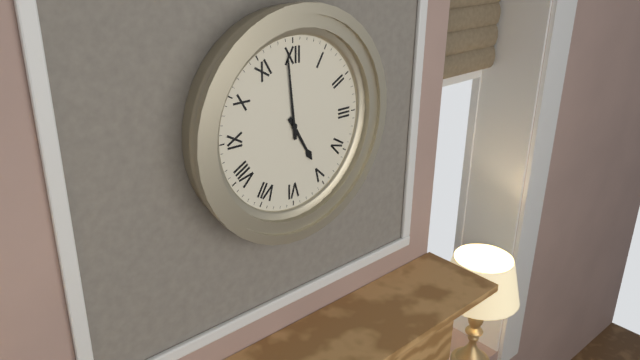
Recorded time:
4 h 59 min
